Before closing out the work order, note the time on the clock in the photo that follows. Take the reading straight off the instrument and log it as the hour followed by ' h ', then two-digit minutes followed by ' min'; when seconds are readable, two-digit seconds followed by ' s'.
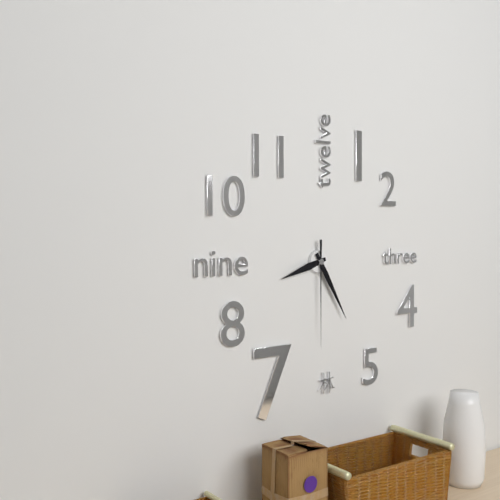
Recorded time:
8 h 25 min 30 s
